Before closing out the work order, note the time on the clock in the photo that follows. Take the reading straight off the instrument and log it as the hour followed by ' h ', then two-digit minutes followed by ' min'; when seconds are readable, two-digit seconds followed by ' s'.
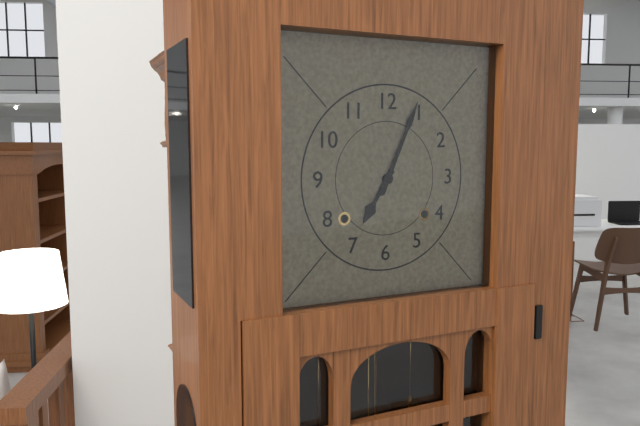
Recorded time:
7 h 04 min
